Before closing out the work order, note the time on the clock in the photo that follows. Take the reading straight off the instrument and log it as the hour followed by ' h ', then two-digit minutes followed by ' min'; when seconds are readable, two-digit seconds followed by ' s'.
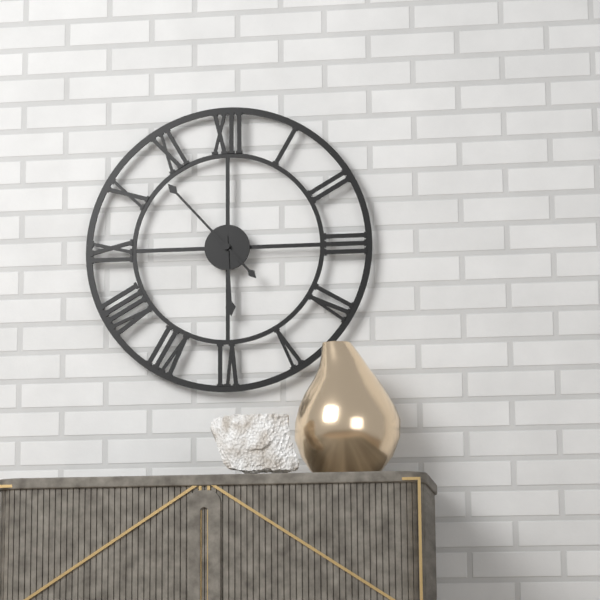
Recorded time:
5 h 53 min
